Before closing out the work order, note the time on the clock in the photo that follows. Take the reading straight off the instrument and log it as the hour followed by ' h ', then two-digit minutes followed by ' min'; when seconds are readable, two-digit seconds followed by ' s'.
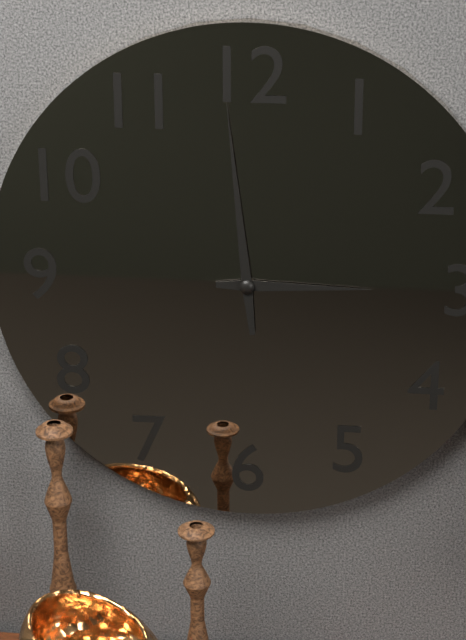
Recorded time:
2 h 59 min
